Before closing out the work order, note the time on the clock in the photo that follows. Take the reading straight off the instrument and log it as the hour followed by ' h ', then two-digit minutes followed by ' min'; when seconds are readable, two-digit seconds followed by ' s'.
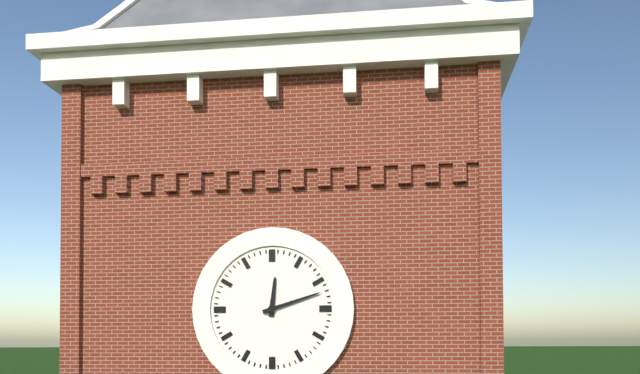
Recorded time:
12 h 12 min
